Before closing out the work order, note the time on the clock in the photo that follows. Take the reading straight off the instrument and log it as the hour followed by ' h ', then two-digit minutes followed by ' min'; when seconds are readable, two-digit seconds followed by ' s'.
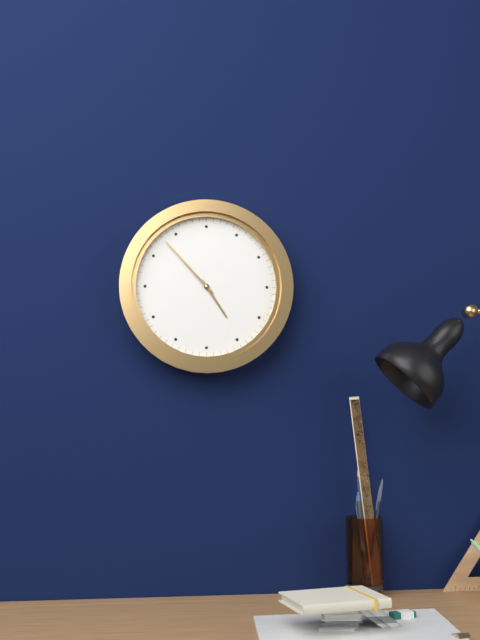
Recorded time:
4 h 53 min
